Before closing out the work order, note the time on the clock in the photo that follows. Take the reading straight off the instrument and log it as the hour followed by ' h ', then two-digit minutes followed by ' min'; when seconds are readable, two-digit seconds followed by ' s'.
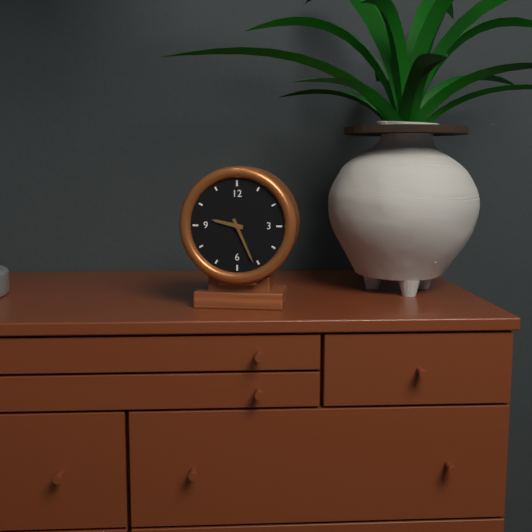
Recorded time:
9 h 26 min
